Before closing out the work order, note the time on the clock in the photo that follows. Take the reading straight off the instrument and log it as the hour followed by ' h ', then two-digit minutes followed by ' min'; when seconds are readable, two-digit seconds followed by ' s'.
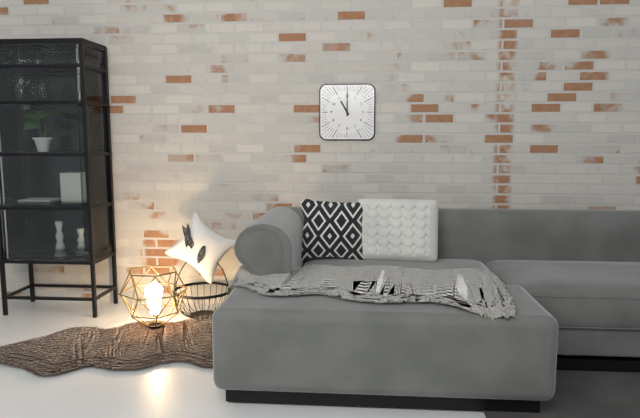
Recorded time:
11 h 00 min
